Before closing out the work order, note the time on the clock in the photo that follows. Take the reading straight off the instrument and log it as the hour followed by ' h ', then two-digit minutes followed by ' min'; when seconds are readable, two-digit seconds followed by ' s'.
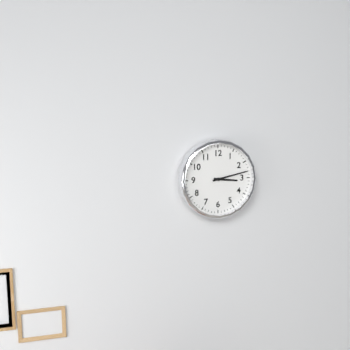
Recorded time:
3 h 13 min
